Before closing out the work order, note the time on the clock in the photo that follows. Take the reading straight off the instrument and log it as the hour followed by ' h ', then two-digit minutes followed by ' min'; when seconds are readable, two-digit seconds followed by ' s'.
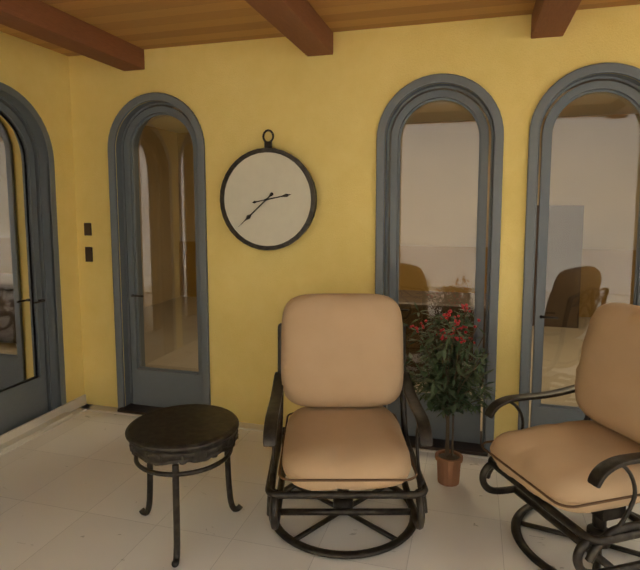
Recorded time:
2 h 38 min
